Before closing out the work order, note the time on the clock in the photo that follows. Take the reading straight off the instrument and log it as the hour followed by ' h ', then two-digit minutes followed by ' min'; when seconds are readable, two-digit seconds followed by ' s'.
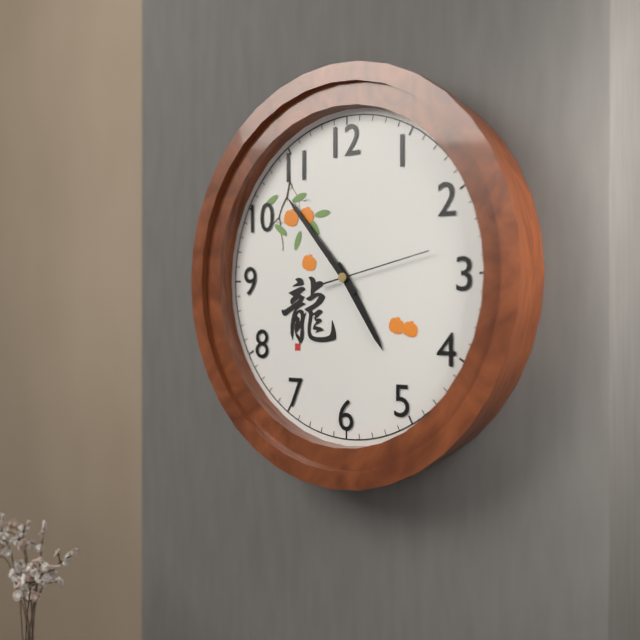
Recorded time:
4 h 53 min 13 s
